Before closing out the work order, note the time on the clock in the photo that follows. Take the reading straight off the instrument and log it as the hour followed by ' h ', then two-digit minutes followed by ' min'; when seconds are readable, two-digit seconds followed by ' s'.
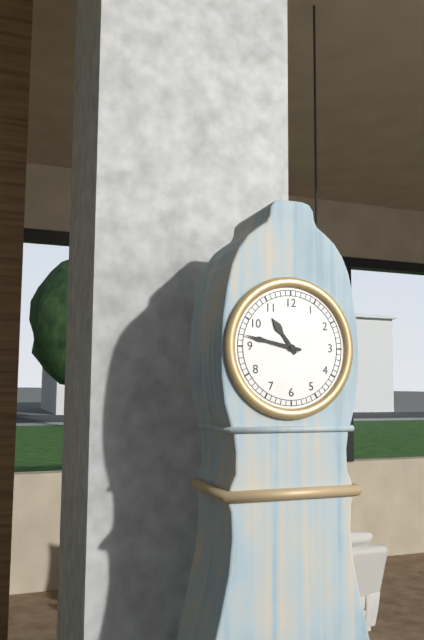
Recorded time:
10 h 47 min
